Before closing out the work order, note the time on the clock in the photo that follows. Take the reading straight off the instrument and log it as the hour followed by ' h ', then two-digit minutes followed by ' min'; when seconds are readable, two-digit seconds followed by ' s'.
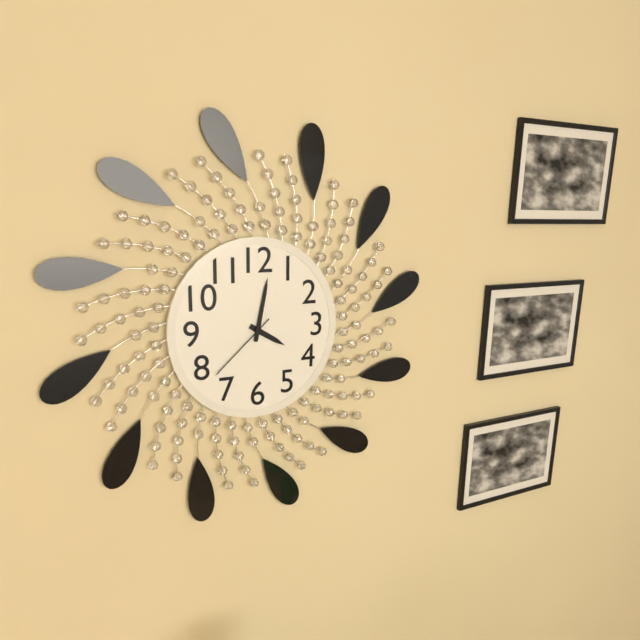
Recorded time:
4 h 02 min 38 s
